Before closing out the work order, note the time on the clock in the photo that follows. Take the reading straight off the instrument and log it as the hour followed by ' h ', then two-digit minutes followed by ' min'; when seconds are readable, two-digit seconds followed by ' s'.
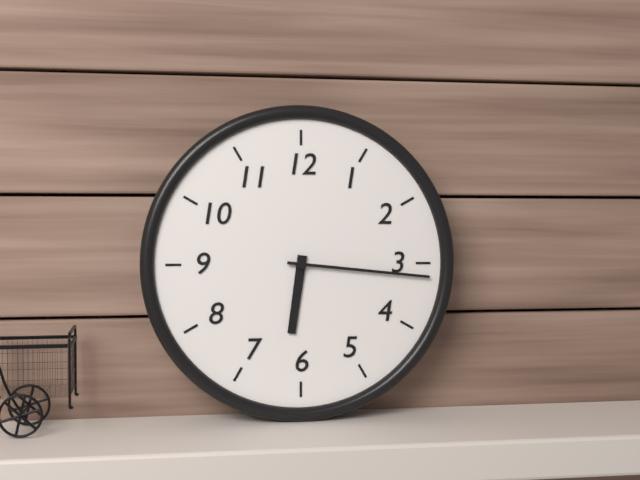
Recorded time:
6 h 16 min
